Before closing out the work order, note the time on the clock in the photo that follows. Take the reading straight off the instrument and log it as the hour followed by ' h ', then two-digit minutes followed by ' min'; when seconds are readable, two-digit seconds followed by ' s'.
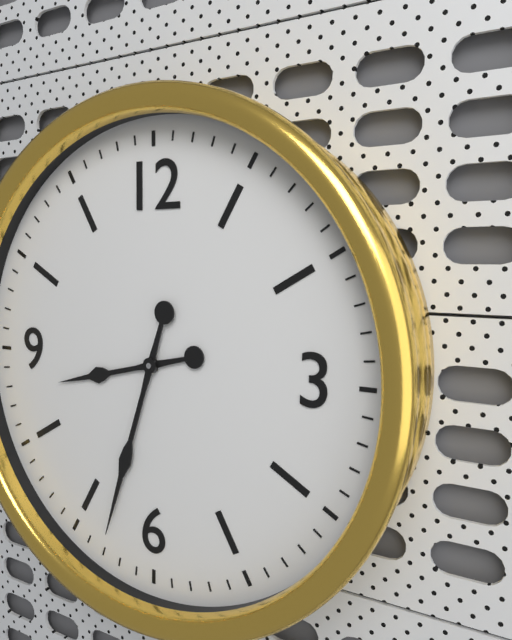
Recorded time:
8 h 33 min
